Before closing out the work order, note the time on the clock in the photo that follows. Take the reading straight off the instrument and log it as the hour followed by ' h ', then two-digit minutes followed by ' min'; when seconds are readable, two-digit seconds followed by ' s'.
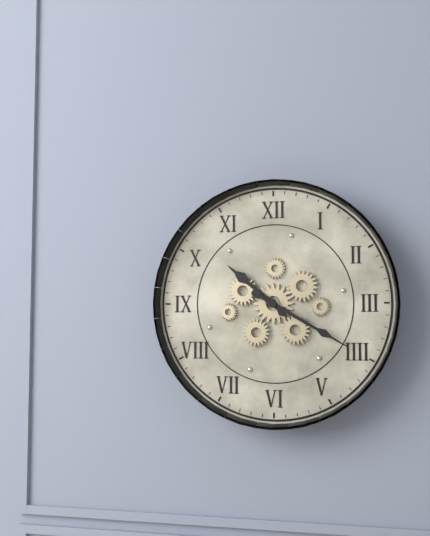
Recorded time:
10 h 20 min
